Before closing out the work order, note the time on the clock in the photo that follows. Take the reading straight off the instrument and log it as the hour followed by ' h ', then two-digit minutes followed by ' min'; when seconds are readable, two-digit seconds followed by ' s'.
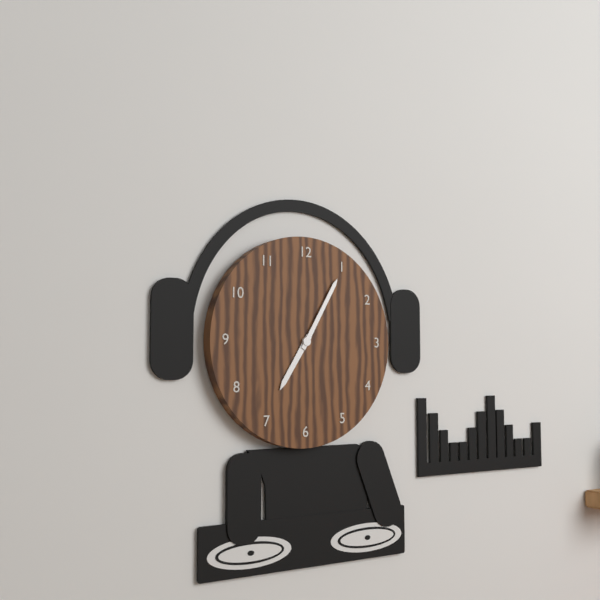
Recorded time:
7 h 05 min
